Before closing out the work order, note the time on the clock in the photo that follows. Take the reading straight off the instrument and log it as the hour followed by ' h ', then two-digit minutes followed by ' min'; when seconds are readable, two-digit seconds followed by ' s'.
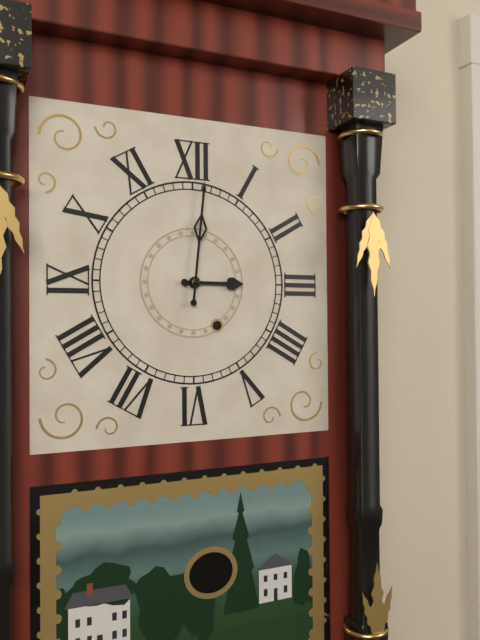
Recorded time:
3 h 01 min
